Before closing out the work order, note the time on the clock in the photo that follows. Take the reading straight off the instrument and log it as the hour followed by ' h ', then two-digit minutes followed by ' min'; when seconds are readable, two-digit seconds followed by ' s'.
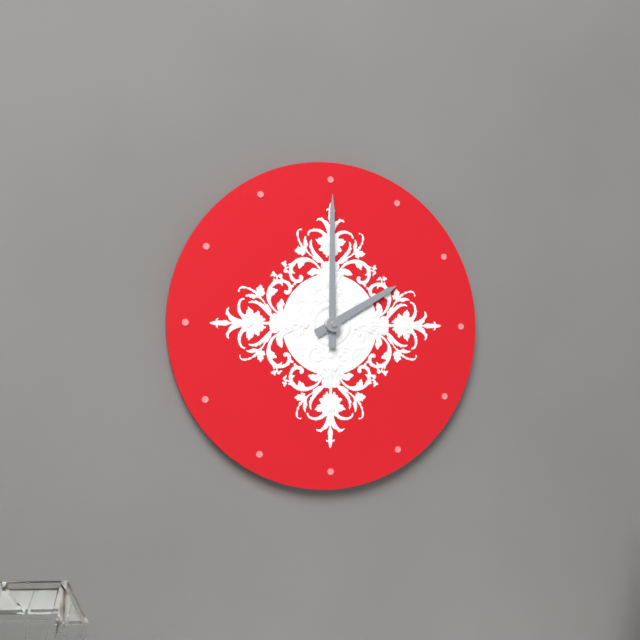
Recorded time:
2 h 00 min
